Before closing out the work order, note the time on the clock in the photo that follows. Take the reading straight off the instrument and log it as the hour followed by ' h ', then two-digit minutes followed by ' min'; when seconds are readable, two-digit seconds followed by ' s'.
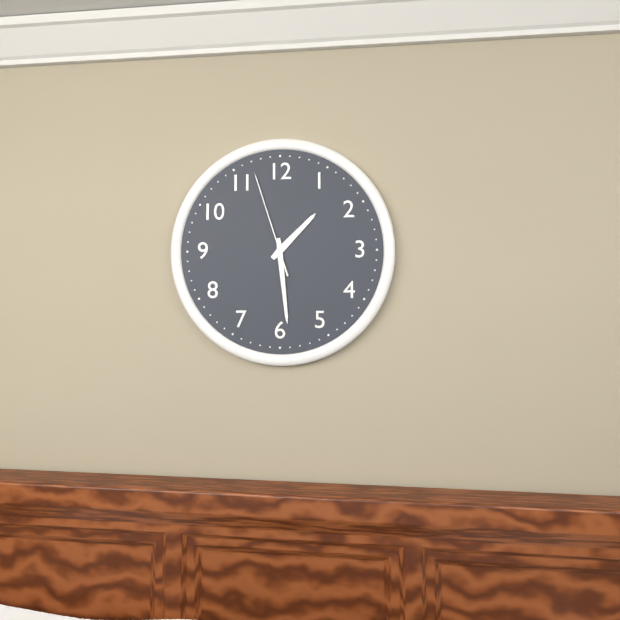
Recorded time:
1 h 29 min 57 s
